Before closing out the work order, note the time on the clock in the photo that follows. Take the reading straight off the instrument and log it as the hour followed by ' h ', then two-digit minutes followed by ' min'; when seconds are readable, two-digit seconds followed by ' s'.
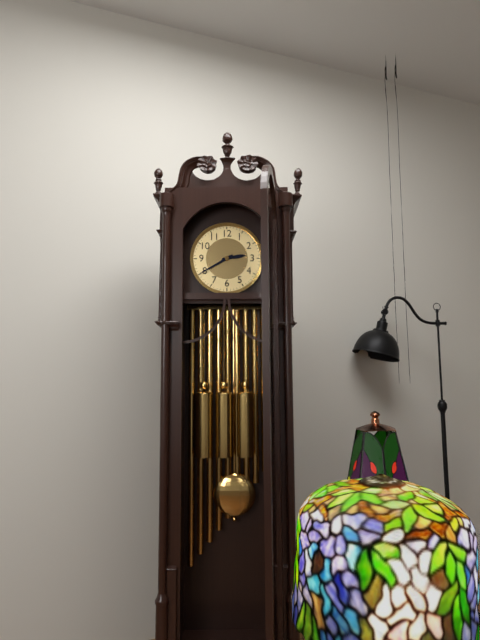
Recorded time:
2 h 40 min
